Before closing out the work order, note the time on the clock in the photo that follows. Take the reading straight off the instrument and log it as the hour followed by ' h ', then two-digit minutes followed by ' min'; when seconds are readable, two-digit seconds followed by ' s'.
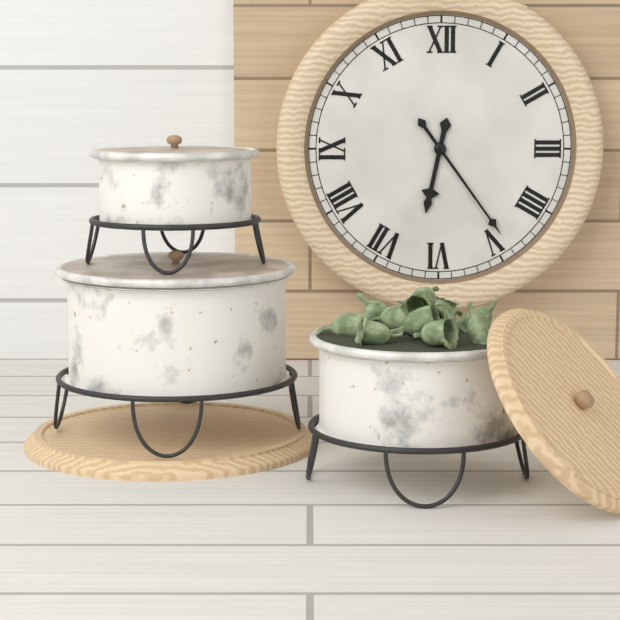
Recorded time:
6 h 24 min
